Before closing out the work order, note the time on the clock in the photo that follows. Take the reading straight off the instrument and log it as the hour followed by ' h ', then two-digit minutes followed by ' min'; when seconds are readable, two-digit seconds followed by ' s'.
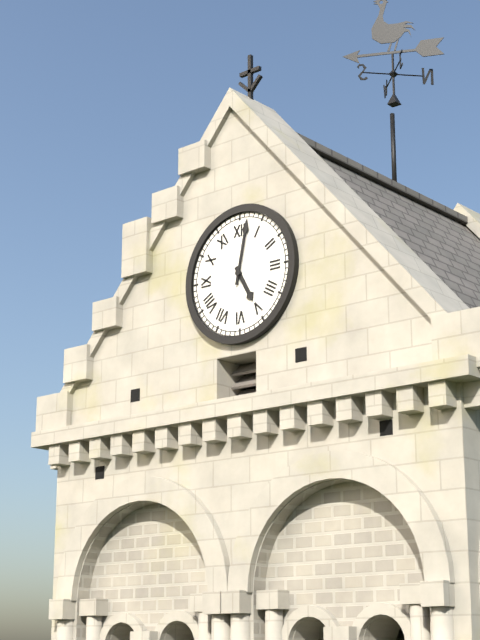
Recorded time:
5 h 02 min
